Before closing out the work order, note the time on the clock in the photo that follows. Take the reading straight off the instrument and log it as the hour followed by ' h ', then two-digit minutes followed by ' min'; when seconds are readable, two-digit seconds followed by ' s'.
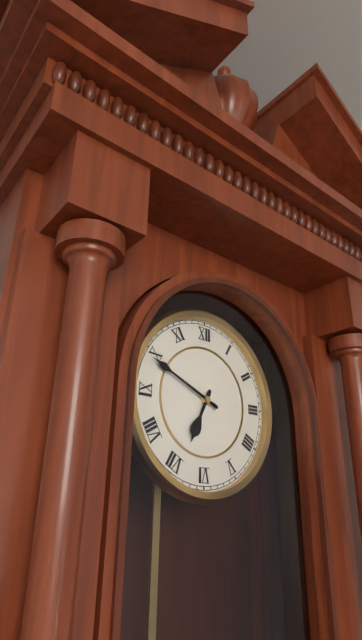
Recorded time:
6 h 49 min
